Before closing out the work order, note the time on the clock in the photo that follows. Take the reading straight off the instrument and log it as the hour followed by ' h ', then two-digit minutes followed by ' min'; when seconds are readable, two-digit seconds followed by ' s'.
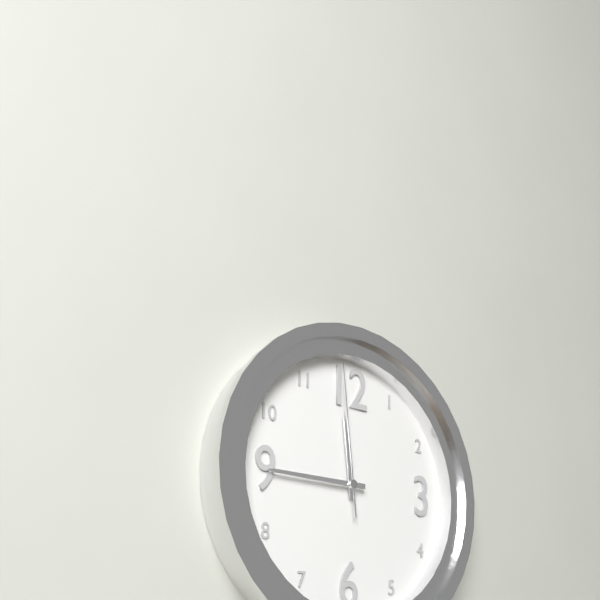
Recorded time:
11 h 45 min 59 s
